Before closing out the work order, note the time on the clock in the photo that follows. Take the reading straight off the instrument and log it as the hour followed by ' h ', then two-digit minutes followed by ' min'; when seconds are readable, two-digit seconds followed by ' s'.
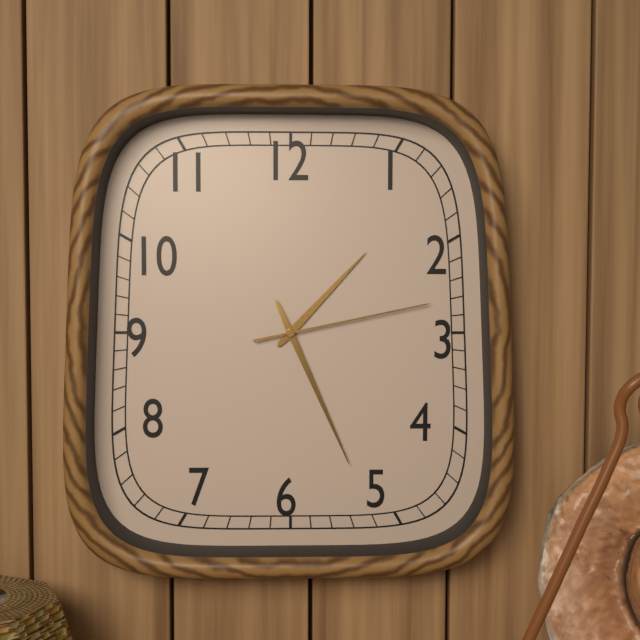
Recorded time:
1 h 26 min 13 s
